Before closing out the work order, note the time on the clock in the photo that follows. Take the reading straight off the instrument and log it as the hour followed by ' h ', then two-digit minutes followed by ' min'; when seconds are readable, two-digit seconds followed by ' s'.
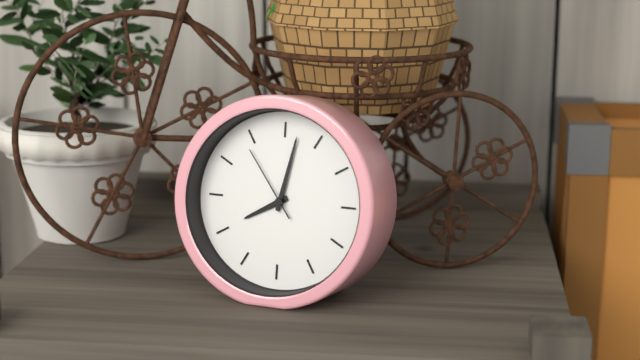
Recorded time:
8 h 02 min 54 s
